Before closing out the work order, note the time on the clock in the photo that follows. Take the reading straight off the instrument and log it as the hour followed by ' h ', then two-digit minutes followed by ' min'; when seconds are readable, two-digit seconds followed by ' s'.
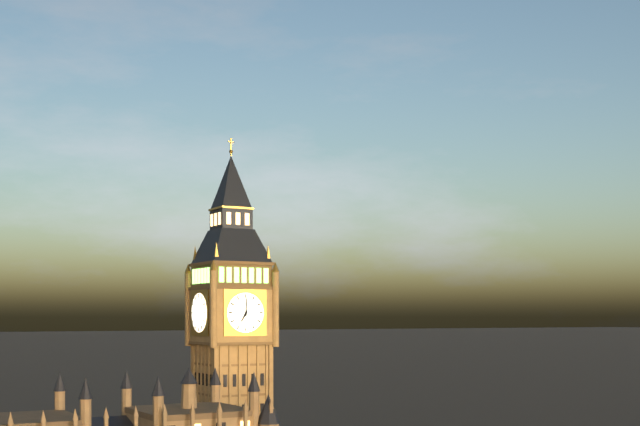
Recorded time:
7 h 00 min
